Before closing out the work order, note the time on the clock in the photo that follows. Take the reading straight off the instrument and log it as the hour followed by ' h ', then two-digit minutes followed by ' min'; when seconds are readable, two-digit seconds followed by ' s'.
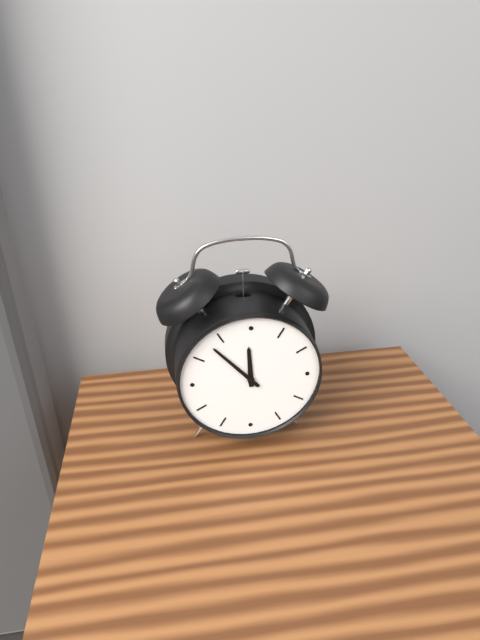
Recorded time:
11 h 53 min
